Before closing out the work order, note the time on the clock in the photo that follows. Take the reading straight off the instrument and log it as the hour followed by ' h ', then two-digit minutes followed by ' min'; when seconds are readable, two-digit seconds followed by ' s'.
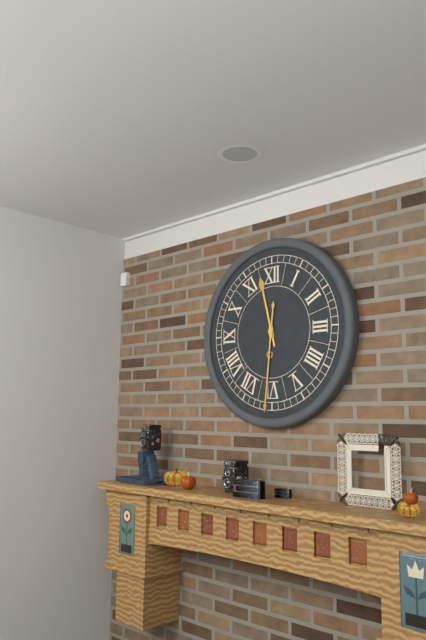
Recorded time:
11 h 31 min
